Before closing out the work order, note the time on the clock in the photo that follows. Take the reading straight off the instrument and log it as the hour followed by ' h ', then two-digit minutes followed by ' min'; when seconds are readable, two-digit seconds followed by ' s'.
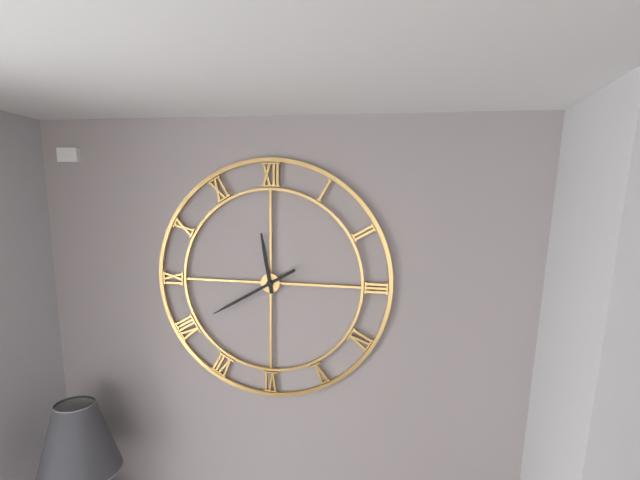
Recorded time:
11 h 40 min
